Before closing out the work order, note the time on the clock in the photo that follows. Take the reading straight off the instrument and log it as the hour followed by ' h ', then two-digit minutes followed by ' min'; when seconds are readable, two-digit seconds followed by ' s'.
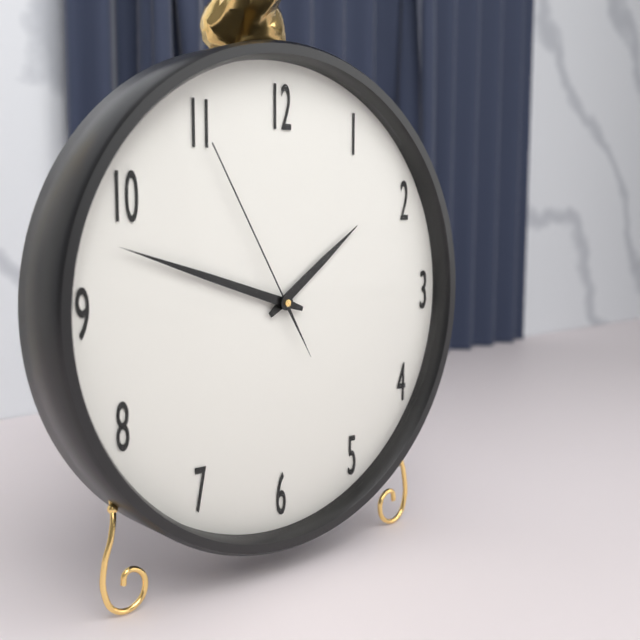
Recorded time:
1 h 48 min 55 s
